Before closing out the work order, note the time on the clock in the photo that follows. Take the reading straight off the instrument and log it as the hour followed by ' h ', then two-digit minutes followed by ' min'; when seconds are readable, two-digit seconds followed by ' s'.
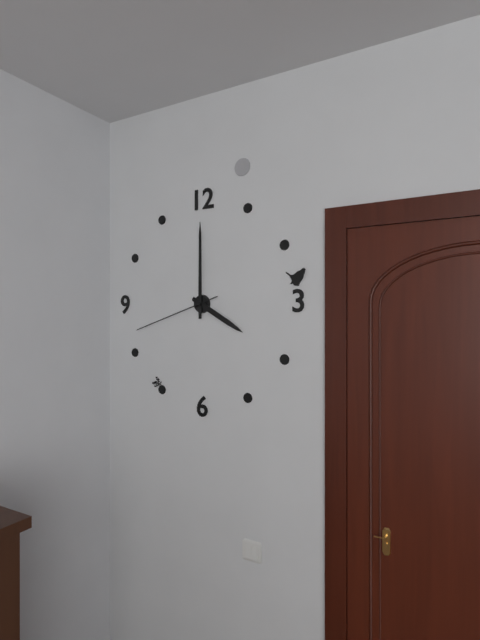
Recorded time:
4 h 00 min 42 s
